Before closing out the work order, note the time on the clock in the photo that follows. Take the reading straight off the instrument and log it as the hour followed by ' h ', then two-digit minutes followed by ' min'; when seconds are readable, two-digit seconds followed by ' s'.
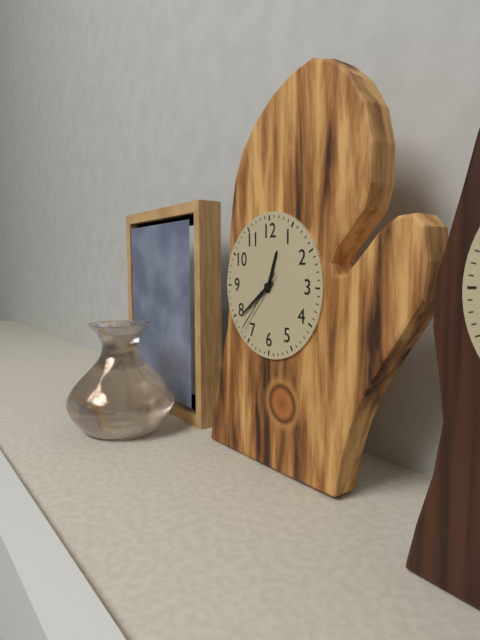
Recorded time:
12 h 39 min 37 s
